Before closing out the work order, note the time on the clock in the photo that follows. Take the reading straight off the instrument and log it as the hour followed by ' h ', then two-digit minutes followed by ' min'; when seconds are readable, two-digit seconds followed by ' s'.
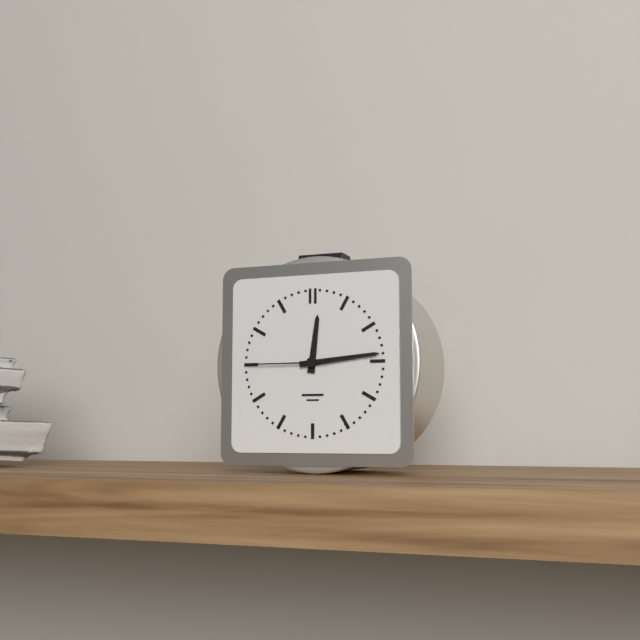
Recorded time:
12 h 14 min 45 s
